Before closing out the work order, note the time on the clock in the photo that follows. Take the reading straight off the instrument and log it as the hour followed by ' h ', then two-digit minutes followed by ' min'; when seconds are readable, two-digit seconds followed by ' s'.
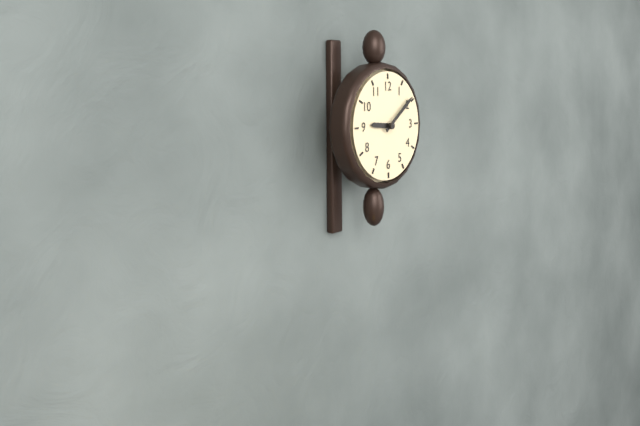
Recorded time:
9 h 09 min
